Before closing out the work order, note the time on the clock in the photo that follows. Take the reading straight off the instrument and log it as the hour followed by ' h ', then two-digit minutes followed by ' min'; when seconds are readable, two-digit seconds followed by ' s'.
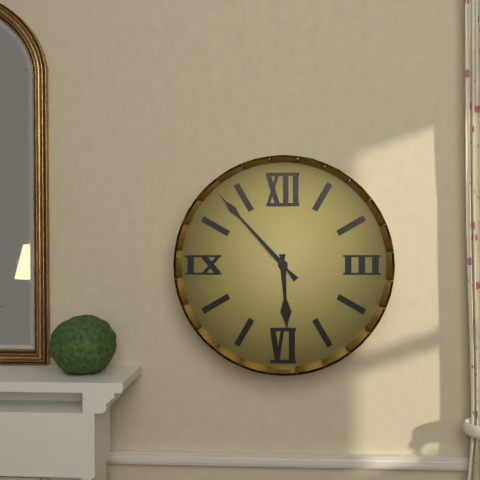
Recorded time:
5 h 53 min
